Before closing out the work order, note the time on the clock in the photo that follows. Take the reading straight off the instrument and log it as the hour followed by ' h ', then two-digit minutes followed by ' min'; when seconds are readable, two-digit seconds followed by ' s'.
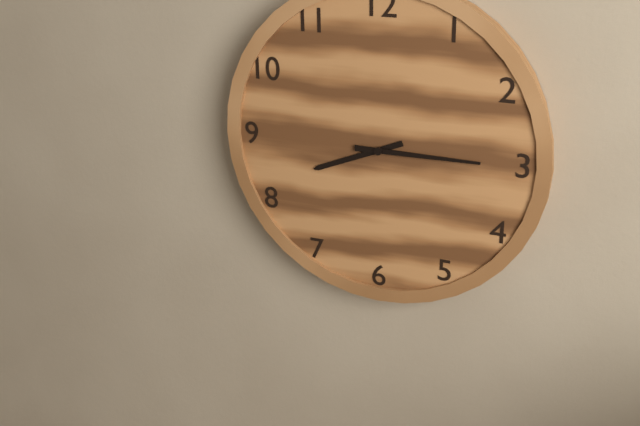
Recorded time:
8 h 15 min
